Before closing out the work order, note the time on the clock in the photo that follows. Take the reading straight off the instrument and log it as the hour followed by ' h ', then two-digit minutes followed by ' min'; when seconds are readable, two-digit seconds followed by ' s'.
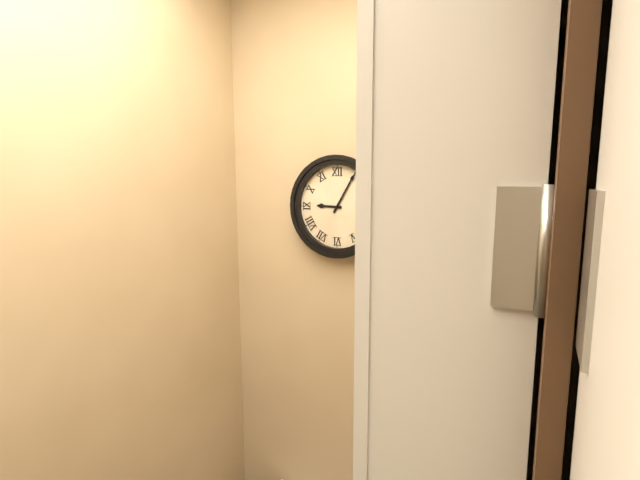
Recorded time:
9 h 05 min
